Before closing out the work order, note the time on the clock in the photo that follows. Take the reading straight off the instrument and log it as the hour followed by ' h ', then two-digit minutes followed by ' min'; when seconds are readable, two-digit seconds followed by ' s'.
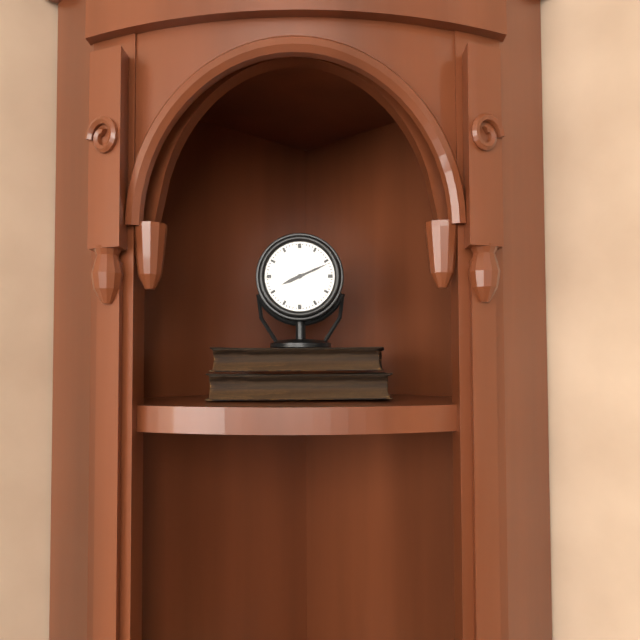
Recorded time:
8 h 11 min
